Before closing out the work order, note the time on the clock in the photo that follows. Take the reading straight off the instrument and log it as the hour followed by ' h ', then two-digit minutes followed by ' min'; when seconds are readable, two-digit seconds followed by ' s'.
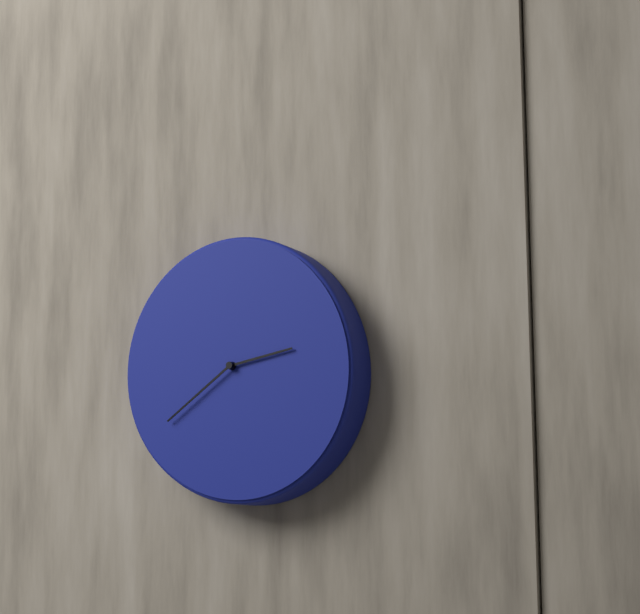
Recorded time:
2 h 39 min
